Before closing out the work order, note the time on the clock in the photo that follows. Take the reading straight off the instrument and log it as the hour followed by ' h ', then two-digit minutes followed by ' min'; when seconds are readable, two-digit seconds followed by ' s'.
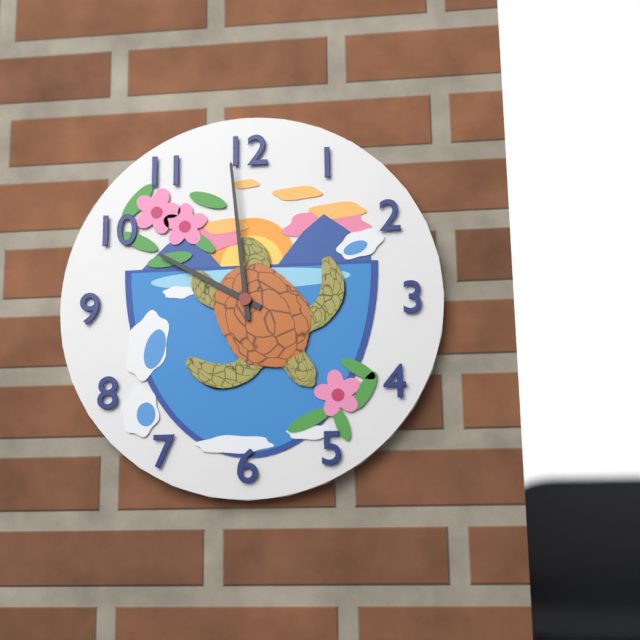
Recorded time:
9 h 59 min
